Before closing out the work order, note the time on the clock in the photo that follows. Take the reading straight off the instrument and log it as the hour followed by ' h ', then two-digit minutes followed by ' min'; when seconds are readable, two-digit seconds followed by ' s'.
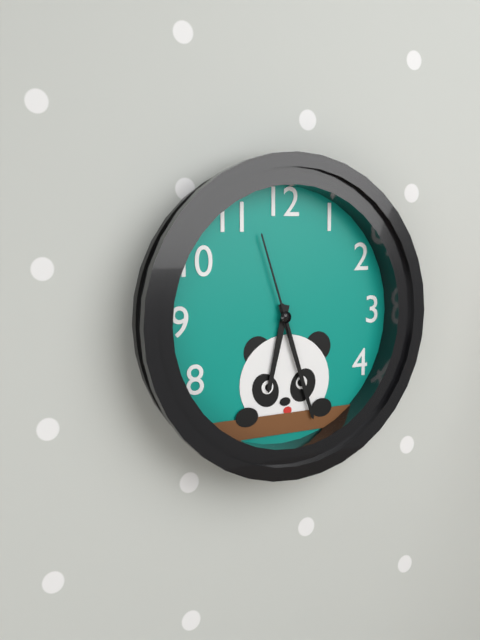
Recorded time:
6 h 27 min 57 s
